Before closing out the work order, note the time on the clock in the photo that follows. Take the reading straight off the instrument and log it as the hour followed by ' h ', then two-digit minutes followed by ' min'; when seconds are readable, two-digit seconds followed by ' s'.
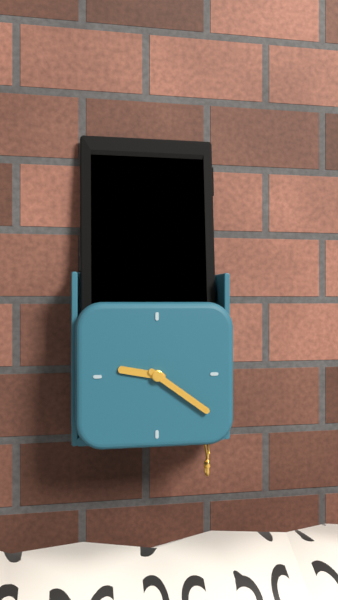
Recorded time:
9 h 21 min
